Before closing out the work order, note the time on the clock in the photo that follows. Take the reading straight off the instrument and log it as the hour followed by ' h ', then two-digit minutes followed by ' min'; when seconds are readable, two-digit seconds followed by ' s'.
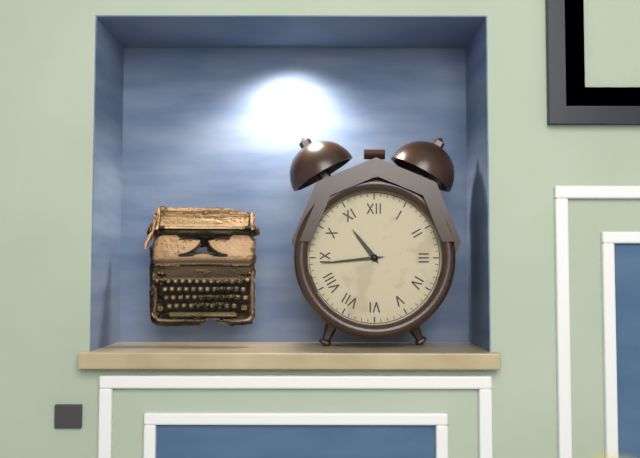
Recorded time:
10 h 44 min
